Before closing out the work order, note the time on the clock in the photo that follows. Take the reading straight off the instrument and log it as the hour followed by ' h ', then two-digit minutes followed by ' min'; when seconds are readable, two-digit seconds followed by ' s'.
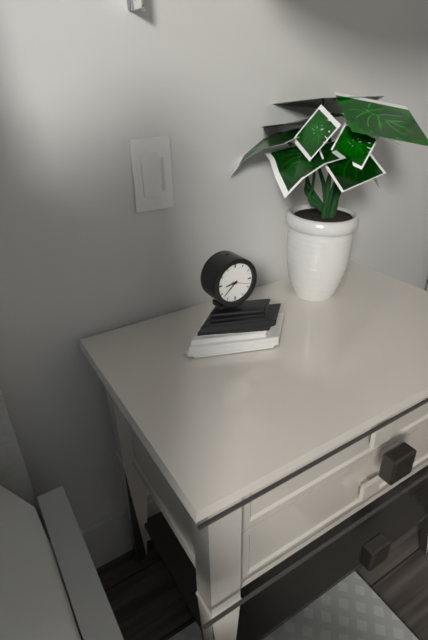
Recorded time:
8 h 38 min
